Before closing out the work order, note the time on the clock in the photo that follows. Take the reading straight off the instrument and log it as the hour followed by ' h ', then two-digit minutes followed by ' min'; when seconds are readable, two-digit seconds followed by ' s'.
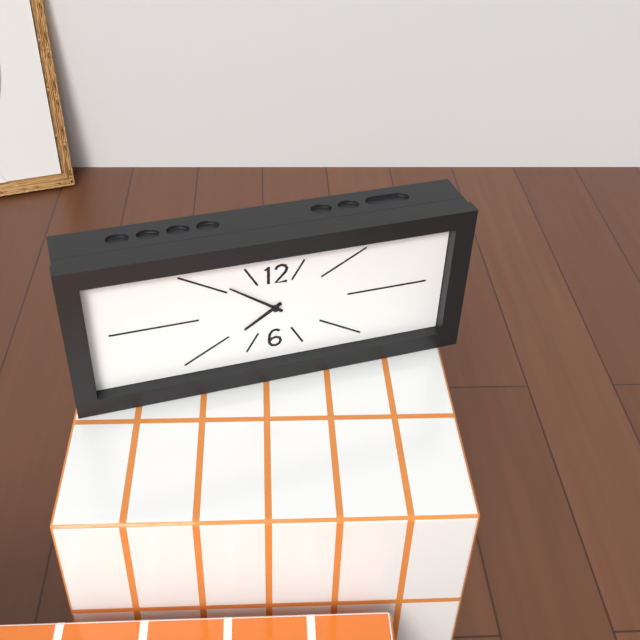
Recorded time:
7 h 51 min
